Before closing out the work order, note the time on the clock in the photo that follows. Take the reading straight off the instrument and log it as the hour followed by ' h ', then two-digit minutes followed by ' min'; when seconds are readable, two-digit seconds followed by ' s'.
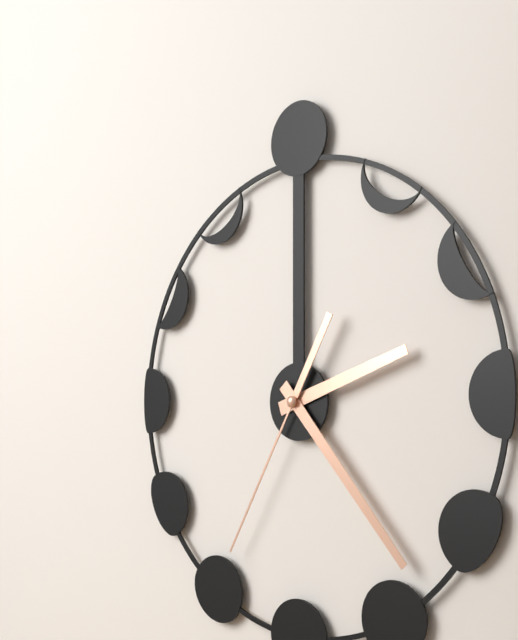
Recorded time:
2 h 23 min 35 s
